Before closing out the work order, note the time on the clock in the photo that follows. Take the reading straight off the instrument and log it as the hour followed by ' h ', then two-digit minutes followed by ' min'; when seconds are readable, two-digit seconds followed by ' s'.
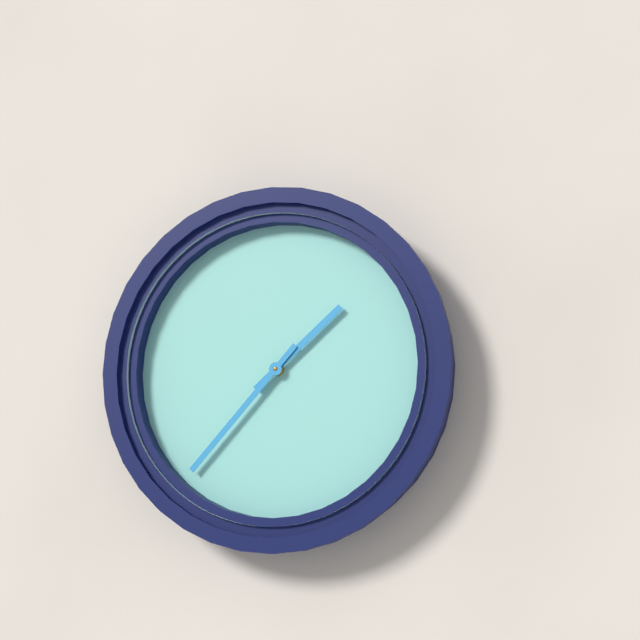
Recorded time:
1 h 37 min
